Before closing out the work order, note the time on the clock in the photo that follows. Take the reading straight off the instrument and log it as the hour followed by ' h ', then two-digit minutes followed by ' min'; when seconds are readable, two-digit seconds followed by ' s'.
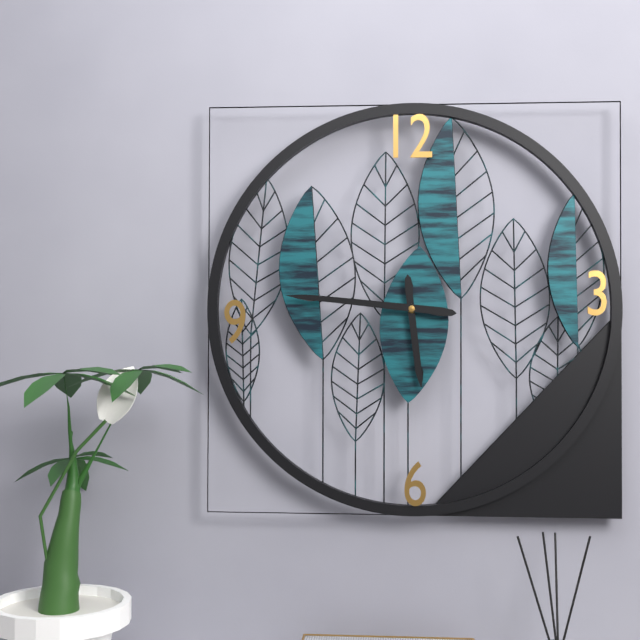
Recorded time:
5 h 46 min
